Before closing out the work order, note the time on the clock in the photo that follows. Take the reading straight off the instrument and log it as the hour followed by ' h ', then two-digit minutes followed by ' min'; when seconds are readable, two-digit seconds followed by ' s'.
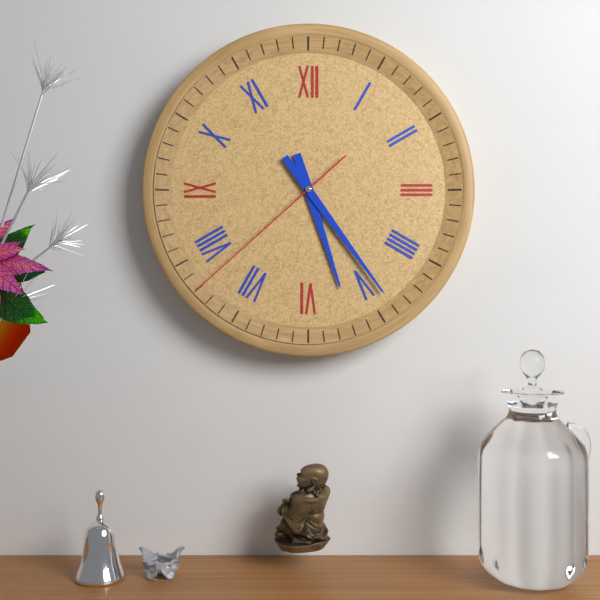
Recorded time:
5 h 24 min 38 s
